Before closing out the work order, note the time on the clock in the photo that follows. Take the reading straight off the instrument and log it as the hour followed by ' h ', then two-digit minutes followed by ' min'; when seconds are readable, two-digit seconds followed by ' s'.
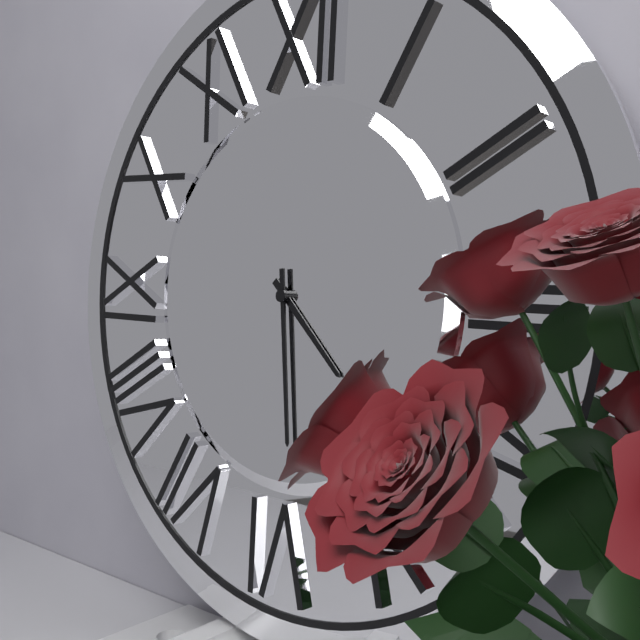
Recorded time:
4 h 29 min
